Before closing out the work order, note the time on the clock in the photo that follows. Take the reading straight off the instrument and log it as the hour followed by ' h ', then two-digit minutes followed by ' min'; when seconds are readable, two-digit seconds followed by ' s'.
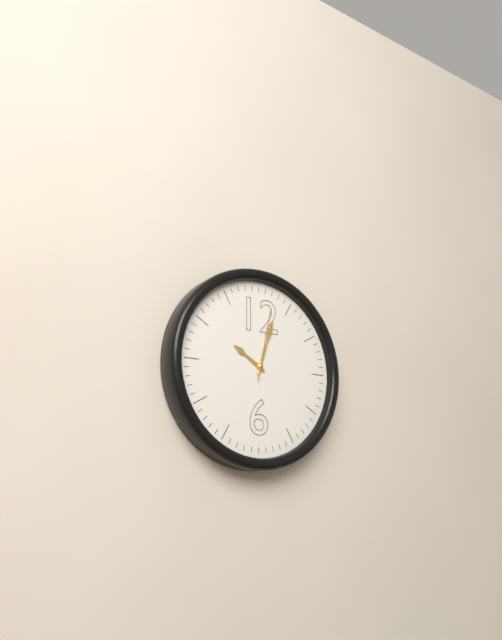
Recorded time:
10 h 03 min 02 s
